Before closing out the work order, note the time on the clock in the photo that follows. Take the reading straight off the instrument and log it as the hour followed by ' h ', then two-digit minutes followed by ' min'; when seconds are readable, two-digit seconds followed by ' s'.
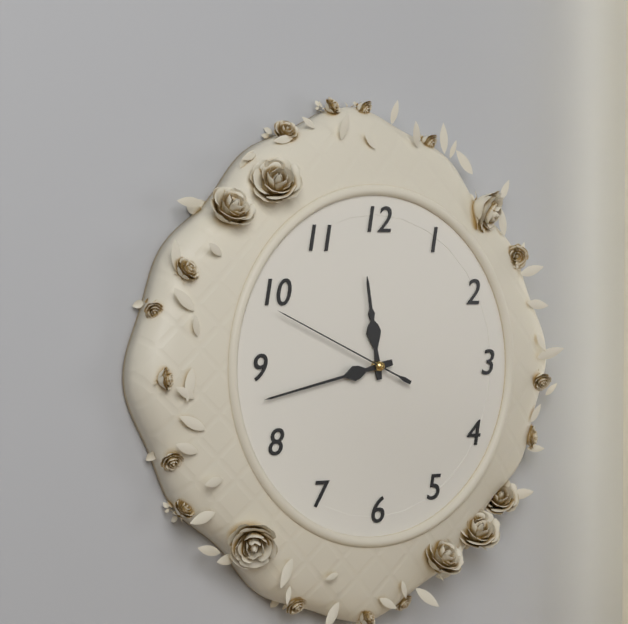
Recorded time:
11 h 43 min 49 s
